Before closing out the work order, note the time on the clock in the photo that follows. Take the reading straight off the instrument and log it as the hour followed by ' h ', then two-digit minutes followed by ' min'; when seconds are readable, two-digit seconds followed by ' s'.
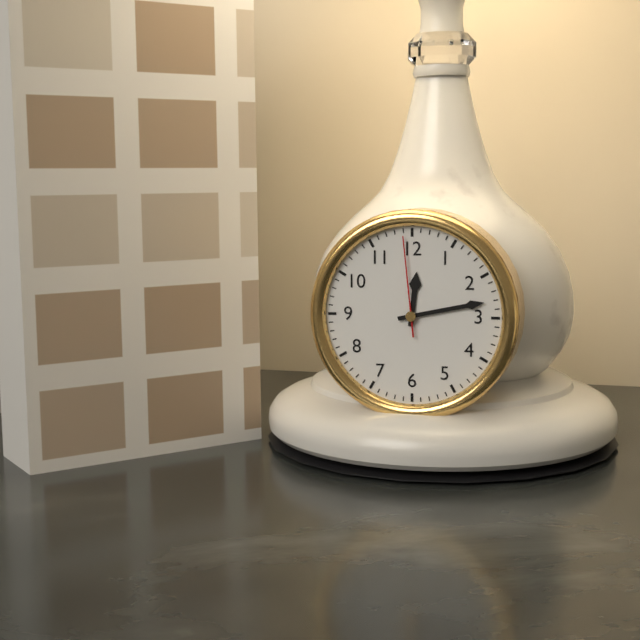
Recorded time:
12 h 13 min 59 s
